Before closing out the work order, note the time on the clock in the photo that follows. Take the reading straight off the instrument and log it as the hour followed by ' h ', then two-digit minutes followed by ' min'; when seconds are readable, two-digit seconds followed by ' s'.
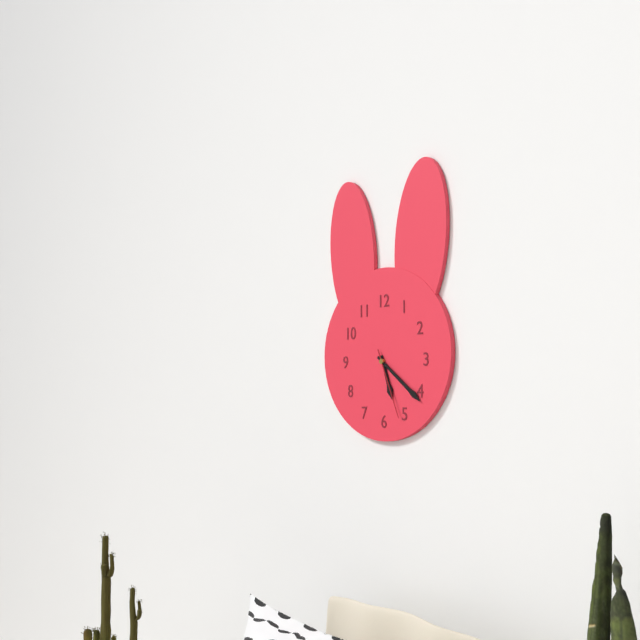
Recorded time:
5 h 21 min 26 s
